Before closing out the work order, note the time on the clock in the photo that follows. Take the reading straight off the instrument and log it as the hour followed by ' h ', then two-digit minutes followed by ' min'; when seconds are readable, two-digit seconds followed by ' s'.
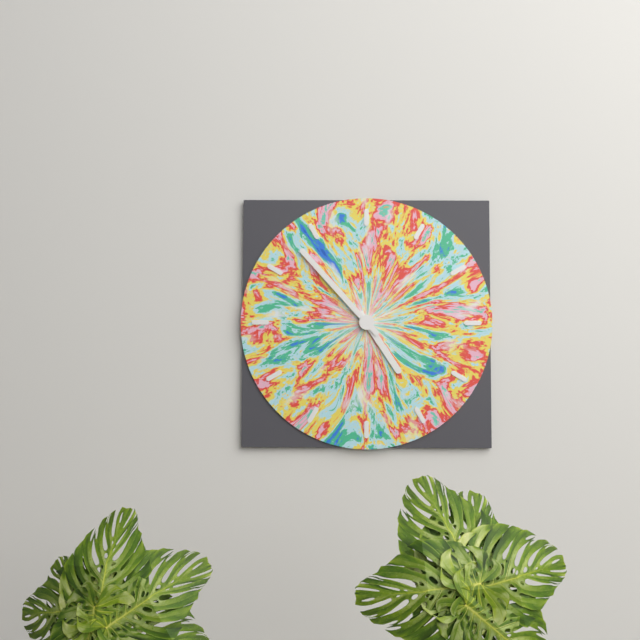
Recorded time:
4 h 53 min
